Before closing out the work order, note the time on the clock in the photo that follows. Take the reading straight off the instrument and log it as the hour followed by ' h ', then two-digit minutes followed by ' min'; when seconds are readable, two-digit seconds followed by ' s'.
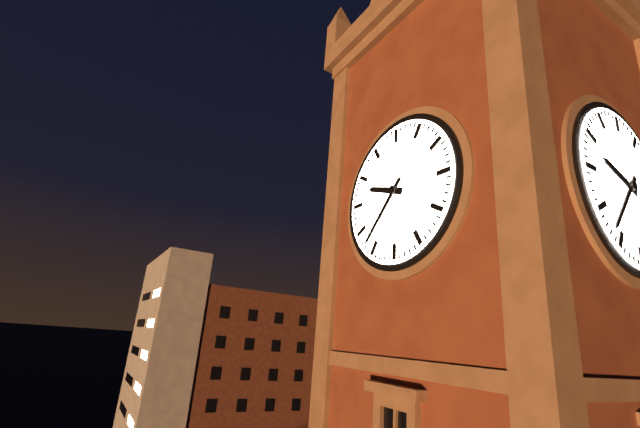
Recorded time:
9 h 37 min
